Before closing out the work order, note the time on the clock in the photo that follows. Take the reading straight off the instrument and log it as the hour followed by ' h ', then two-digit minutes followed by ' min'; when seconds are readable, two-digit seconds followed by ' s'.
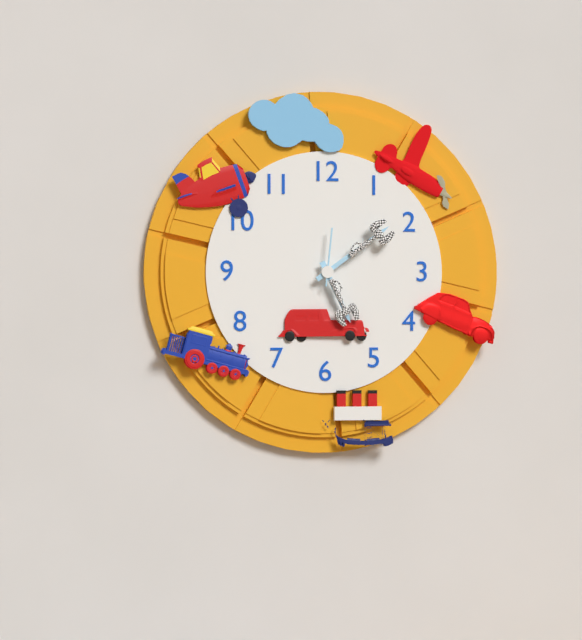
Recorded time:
5 h 09 min 01 s
